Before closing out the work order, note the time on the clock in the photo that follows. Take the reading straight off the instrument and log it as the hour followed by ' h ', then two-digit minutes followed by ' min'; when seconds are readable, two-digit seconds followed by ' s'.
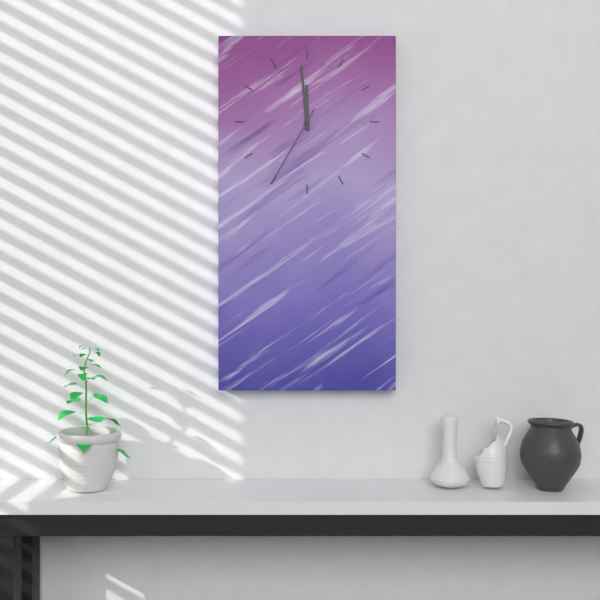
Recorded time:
11 h 59 min 35 s
